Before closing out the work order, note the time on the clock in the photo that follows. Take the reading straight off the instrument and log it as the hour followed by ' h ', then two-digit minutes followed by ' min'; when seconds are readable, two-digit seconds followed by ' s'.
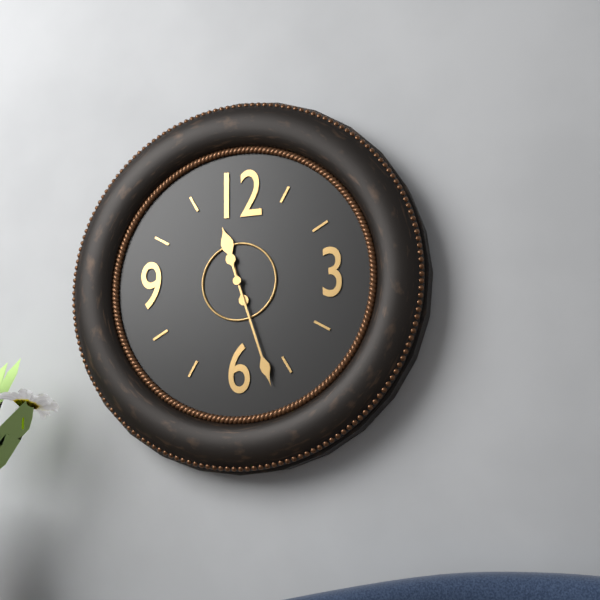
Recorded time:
11 h 27 min
